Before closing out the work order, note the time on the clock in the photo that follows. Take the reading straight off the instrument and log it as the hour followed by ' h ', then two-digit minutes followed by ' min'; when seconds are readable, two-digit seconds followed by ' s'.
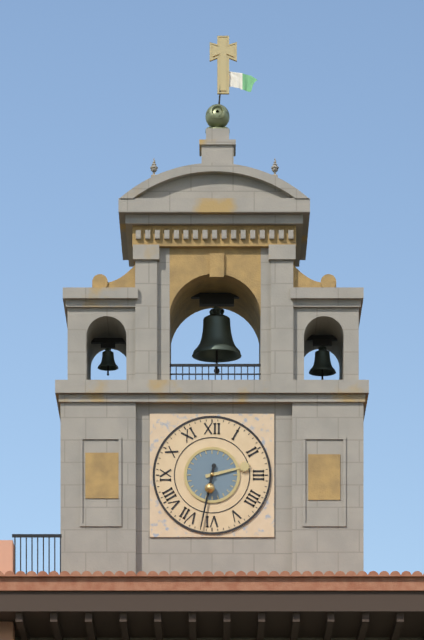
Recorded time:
2 h 32 min
